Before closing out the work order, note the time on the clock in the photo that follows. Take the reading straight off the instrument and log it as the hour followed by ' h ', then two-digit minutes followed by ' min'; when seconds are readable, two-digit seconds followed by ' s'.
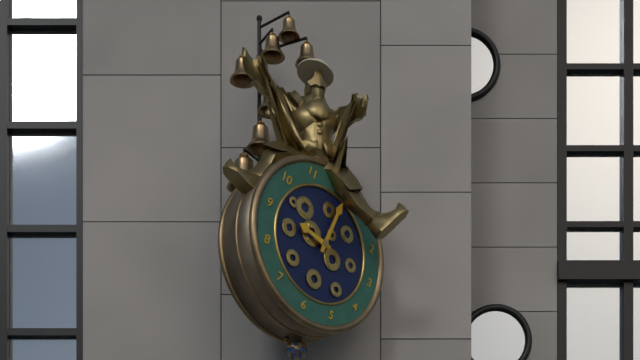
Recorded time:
9 h 01 min
